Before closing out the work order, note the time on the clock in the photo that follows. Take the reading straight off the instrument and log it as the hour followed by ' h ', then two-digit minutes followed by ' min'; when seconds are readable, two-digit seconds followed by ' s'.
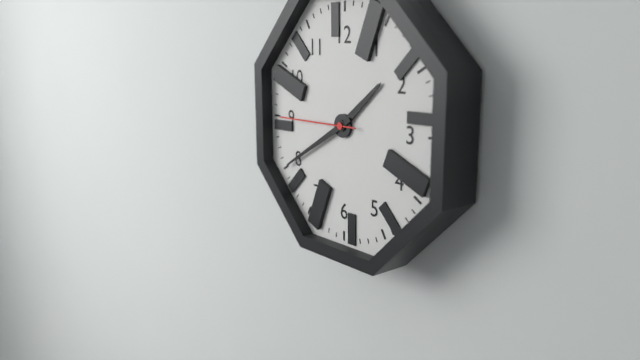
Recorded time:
1 h 40 min 45 s
